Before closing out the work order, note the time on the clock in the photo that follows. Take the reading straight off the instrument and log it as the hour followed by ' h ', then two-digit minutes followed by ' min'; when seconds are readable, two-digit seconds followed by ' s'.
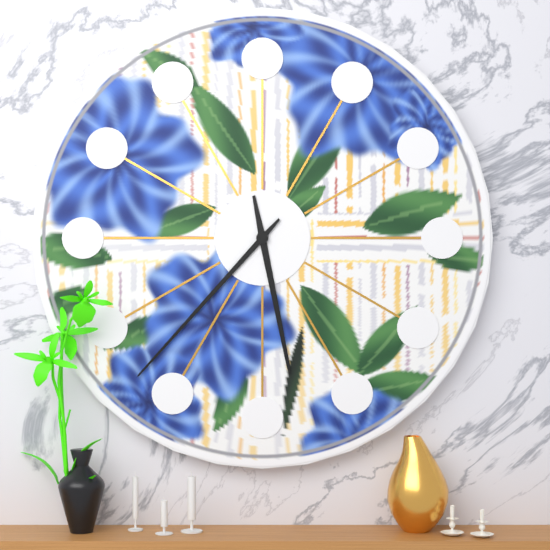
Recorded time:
5 h 37 min
